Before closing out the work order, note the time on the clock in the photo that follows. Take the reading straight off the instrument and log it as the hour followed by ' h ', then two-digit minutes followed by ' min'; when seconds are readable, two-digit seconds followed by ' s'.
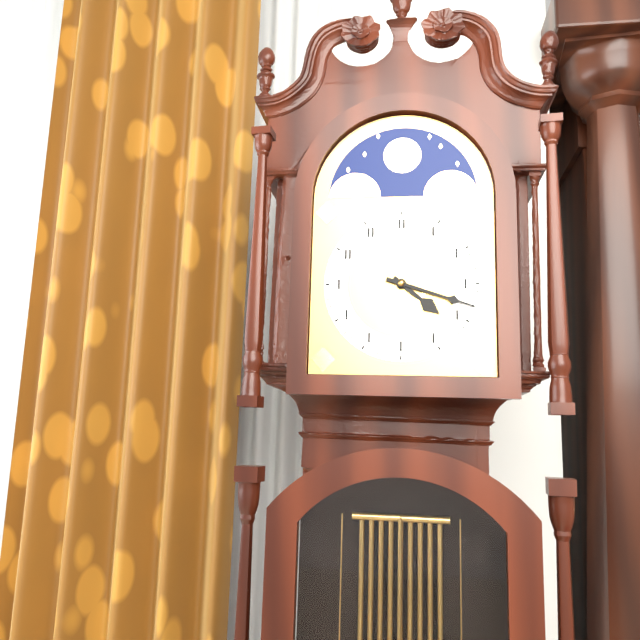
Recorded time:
4 h 18 min
